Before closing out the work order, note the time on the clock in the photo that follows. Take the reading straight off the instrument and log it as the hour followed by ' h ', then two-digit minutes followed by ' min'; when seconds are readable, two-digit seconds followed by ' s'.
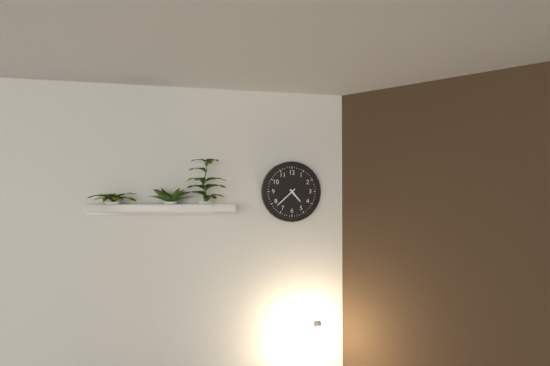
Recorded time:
4 h 38 min
